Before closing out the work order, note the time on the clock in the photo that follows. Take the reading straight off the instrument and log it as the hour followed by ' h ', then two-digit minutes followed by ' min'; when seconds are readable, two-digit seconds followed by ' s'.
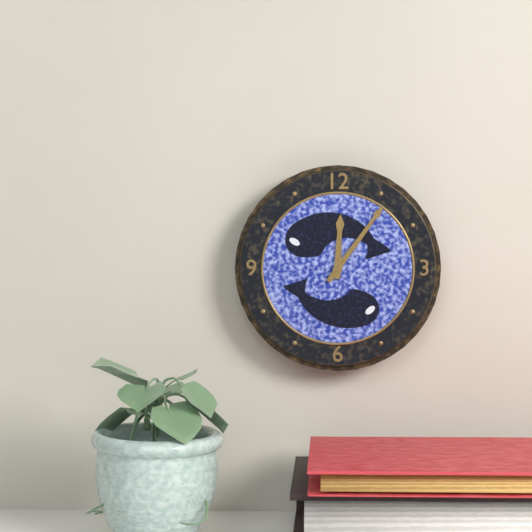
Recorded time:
12 h 06 min
